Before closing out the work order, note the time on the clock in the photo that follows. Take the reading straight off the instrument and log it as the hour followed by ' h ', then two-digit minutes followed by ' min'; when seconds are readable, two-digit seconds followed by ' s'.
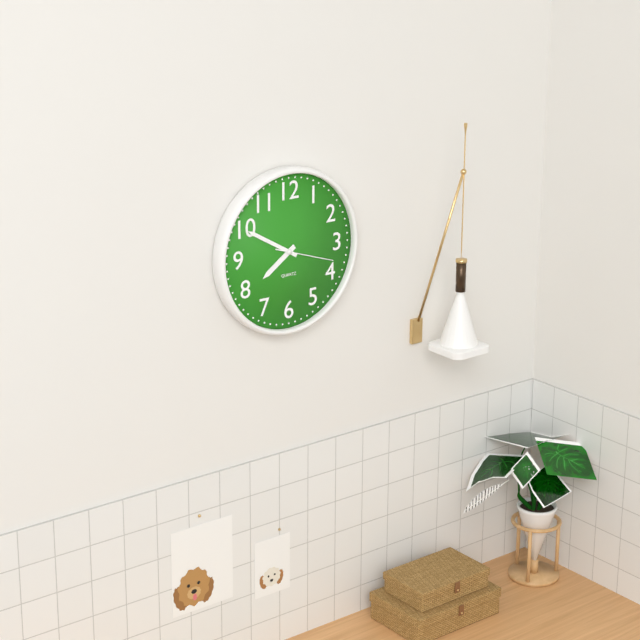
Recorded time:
7 h 50 min 18 s
